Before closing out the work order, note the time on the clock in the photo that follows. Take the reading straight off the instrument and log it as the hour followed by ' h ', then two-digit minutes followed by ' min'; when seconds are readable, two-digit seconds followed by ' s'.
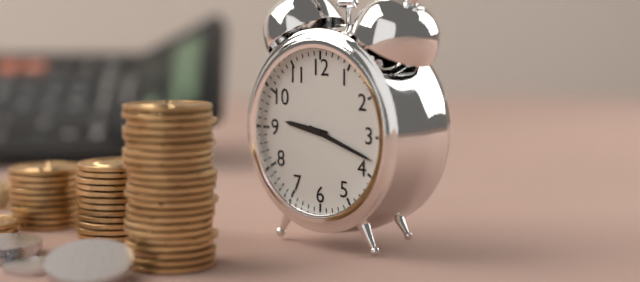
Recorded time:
9 h 18 min
